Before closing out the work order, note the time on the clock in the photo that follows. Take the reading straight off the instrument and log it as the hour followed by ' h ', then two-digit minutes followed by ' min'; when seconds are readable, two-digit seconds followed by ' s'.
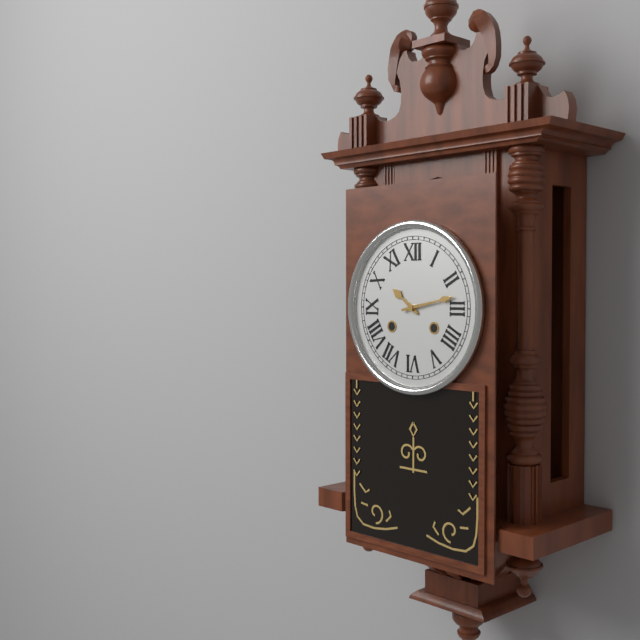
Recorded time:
10 h 13 min
